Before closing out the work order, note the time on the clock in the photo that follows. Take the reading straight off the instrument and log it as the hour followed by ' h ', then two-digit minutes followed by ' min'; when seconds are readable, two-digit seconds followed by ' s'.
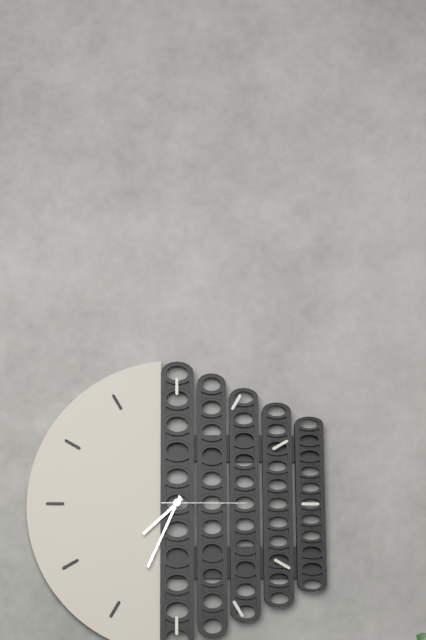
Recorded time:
7 h 34 min 15 s
